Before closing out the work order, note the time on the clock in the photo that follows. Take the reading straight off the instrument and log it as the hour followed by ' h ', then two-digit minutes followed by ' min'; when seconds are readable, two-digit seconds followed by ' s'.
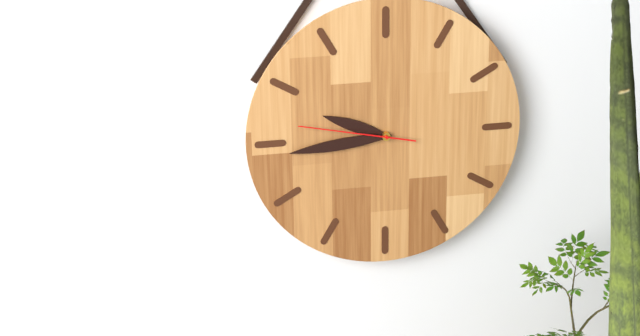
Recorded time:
9 h 44 min 47 s
